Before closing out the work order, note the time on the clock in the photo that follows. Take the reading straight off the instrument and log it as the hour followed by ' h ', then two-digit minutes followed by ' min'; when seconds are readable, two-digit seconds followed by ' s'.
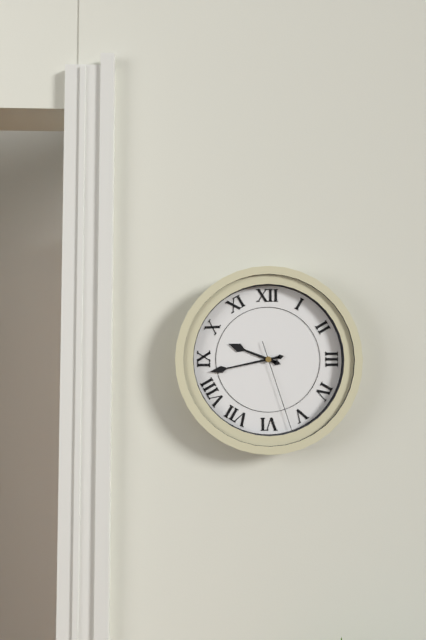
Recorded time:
9 h 43 min 27 s
